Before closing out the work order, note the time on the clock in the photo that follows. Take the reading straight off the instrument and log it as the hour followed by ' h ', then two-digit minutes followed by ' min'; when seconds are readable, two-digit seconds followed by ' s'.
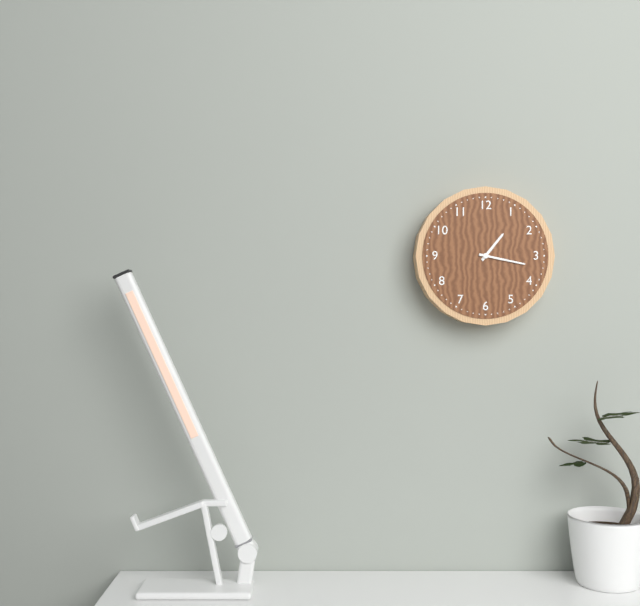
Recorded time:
1 h 17 min
